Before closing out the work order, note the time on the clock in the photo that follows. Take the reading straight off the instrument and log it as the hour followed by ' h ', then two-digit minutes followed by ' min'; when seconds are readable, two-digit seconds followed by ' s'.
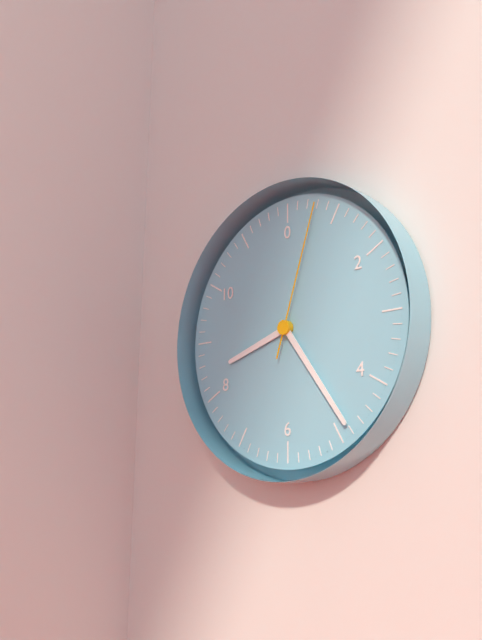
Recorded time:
8 h 24 min 03 s
